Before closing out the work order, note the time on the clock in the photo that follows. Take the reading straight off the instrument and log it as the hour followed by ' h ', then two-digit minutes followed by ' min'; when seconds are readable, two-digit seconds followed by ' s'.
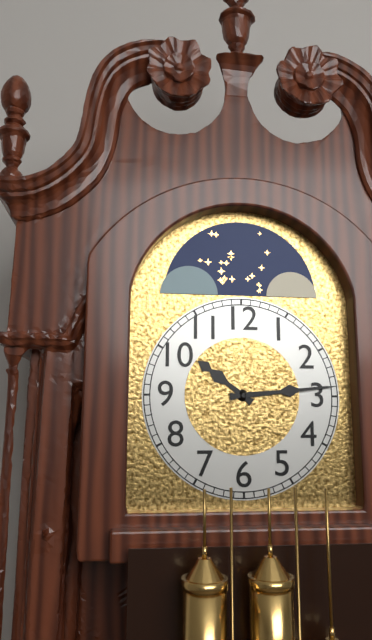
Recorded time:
10 h 14 min
